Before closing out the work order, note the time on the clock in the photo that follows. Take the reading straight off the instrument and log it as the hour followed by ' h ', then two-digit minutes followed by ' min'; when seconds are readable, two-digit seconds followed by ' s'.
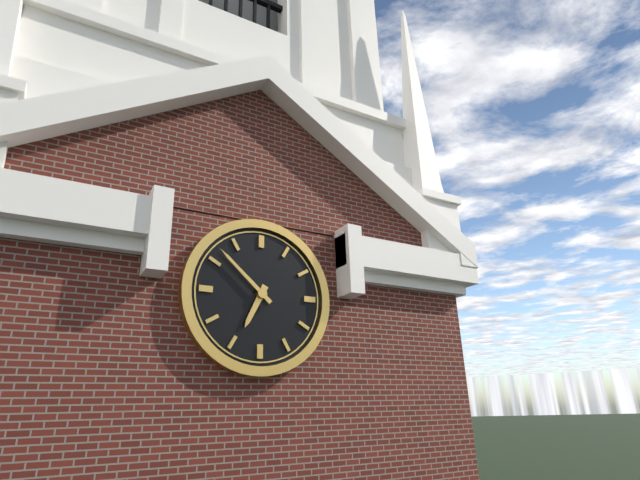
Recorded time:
6 h 52 min
